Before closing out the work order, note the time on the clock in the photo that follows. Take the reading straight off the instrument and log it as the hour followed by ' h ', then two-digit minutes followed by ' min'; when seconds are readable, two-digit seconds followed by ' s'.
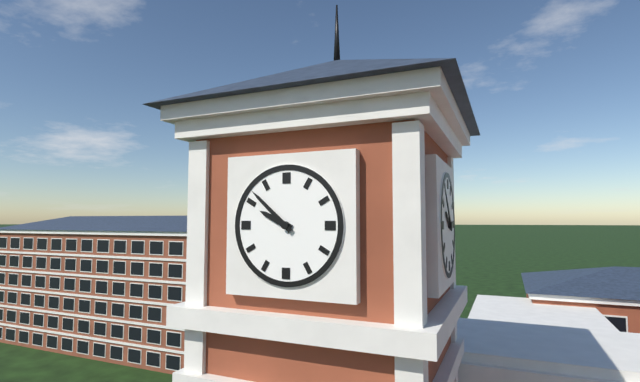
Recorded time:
9 h 52 min
